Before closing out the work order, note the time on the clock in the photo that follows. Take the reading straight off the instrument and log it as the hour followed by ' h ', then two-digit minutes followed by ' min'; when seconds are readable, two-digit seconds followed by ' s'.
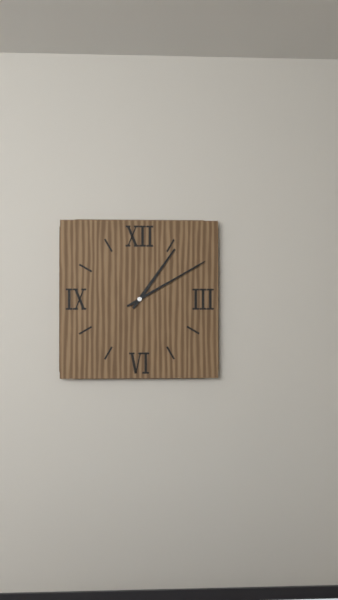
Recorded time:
1 h 10 min
